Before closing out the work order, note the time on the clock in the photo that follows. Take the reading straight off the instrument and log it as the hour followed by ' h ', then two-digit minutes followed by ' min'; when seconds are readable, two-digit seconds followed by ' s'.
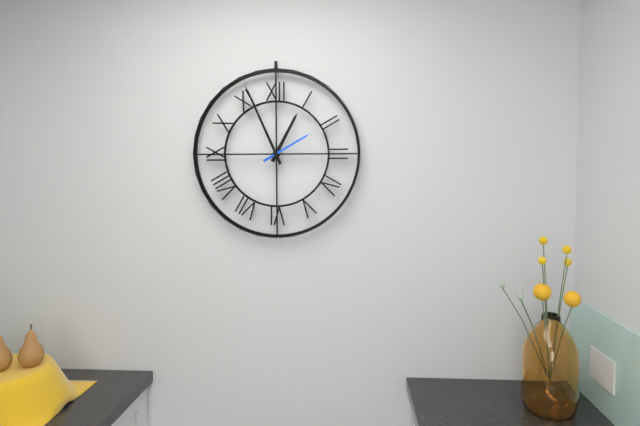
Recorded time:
12 h 56 min
